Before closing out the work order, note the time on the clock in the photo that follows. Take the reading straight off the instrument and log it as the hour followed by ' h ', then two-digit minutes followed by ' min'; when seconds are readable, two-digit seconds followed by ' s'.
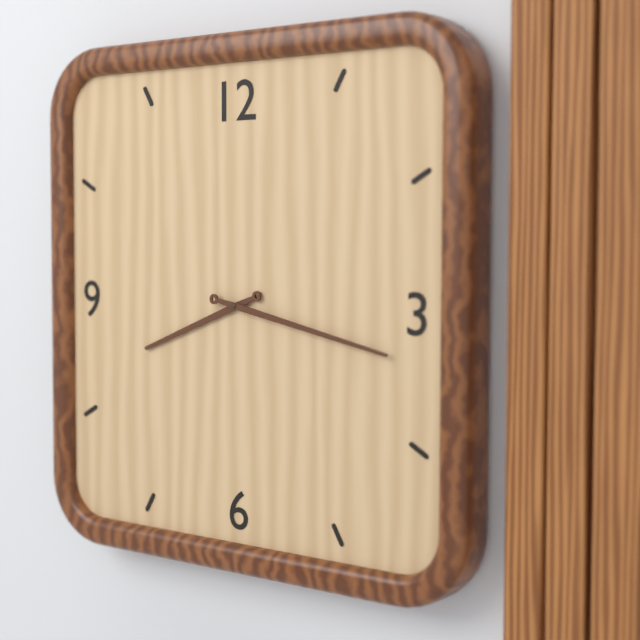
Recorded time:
8 h 17 min
